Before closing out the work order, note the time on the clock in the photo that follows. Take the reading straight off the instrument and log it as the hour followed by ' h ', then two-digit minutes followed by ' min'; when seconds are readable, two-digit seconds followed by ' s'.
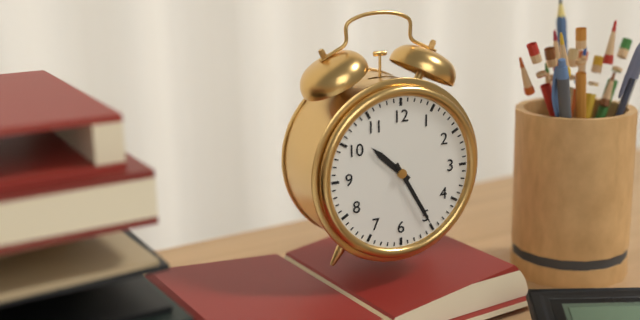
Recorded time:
10 h 25 min
